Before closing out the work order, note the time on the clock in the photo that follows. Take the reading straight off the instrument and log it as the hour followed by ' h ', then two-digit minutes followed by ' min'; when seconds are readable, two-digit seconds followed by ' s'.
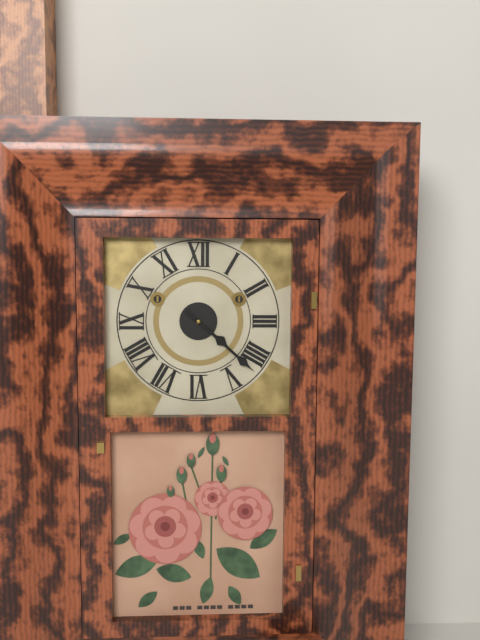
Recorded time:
4 h 22 min
